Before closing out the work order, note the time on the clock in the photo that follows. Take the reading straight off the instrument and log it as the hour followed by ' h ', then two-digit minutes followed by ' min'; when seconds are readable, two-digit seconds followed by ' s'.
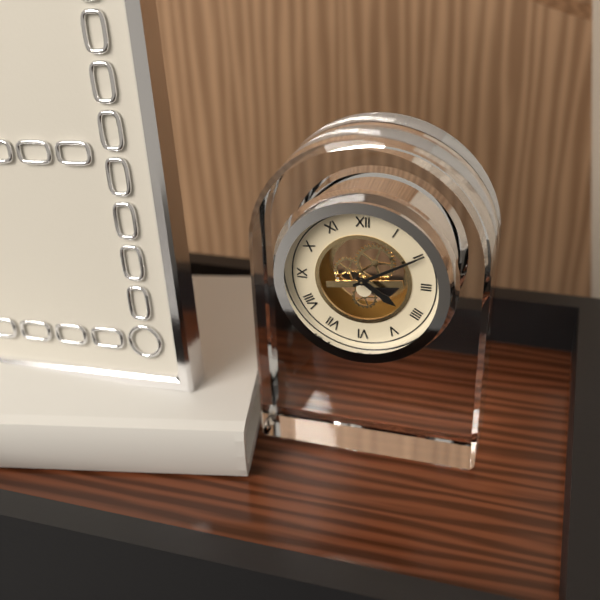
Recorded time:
4 h 10 min
